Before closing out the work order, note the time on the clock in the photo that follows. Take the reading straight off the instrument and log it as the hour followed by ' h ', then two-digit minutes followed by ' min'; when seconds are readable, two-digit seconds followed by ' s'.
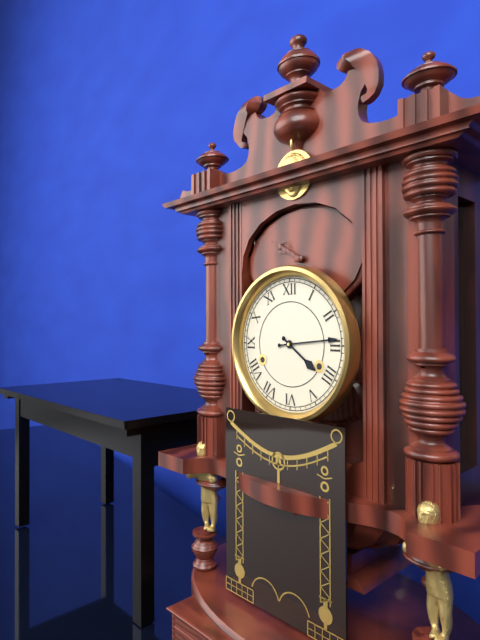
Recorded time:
4 h 14 min
